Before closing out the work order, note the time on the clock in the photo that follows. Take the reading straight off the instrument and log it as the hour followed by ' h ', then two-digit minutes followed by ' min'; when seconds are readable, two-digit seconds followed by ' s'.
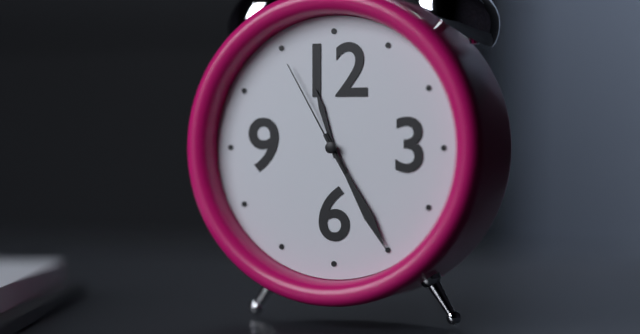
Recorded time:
11 h 25 min 55 s
